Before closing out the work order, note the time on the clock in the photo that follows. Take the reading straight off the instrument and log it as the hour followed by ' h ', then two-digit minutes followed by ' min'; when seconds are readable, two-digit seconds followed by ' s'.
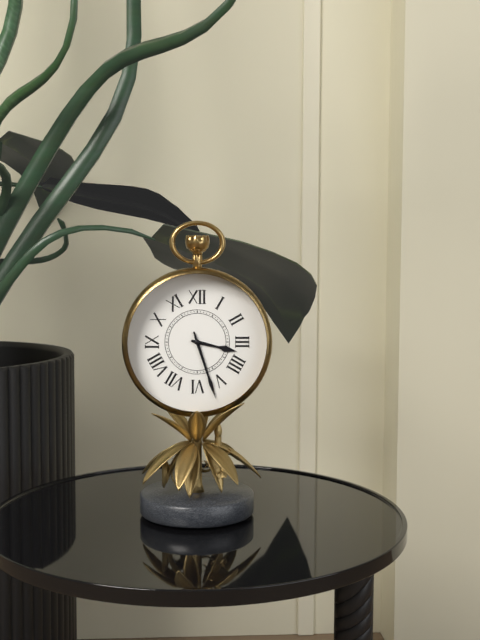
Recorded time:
3 h 27 min
